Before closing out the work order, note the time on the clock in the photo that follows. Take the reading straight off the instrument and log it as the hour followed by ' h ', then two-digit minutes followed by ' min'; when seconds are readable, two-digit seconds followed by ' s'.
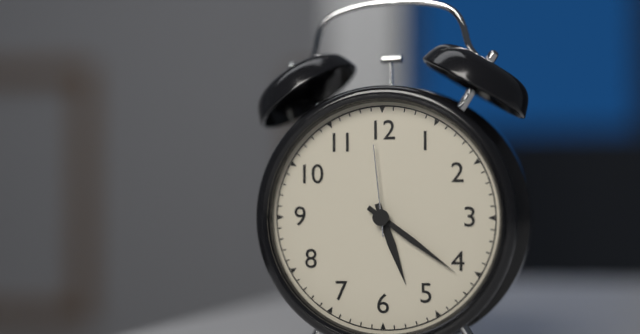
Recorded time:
5 h 21 min 59 s
